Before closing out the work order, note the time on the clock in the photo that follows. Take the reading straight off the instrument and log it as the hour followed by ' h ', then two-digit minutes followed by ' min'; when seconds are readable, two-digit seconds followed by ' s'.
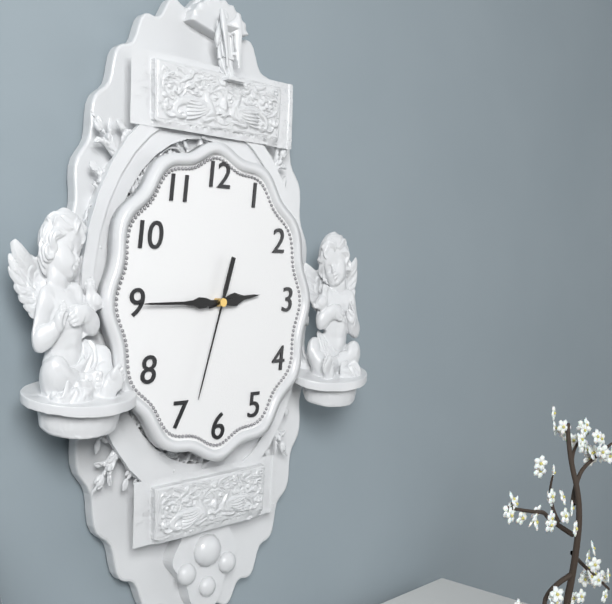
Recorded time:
2 h 45 min 33 s
